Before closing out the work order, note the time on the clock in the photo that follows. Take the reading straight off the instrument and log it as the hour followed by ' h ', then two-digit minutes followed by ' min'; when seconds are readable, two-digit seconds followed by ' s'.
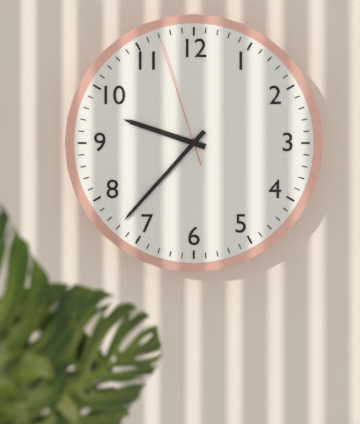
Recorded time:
9 h 37 min 57 s
